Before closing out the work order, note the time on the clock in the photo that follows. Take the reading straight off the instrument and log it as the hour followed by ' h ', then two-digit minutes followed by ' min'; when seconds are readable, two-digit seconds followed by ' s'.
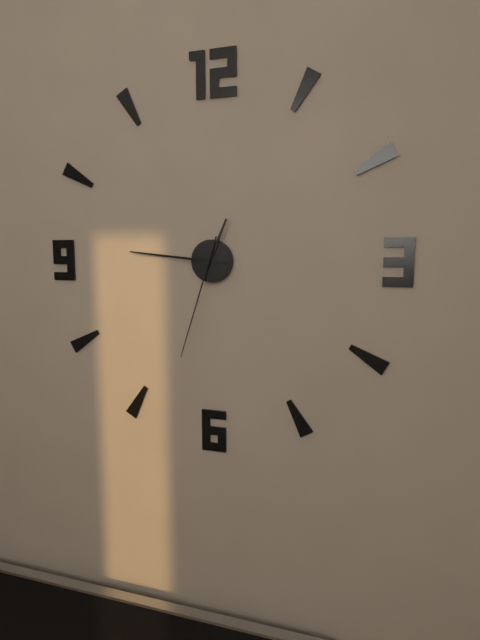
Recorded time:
12 h 46 min 33 s
